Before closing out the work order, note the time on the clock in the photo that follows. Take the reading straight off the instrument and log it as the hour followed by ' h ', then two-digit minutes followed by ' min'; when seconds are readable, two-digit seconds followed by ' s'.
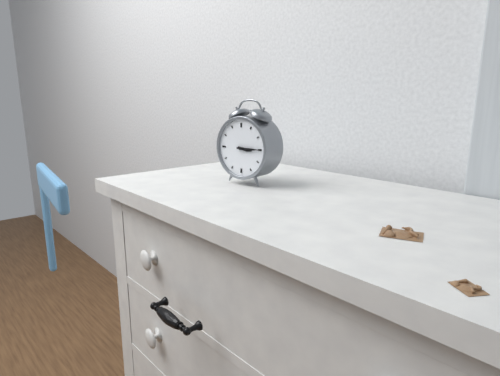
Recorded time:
3 h 15 min
